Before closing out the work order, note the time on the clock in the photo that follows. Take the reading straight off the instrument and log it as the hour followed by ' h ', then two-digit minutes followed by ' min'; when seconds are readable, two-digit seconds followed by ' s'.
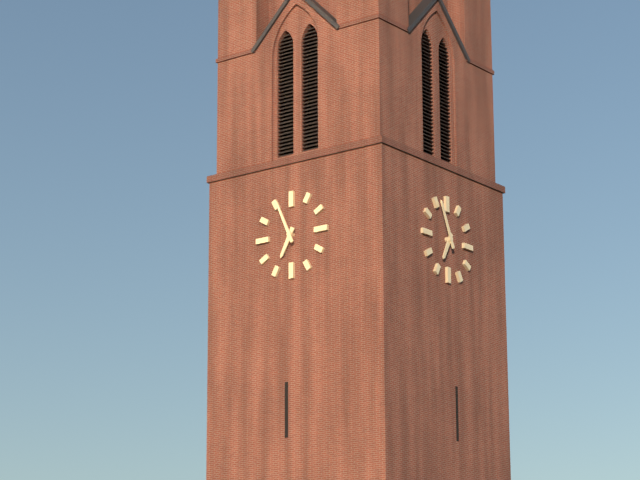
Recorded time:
6 h 56 min
